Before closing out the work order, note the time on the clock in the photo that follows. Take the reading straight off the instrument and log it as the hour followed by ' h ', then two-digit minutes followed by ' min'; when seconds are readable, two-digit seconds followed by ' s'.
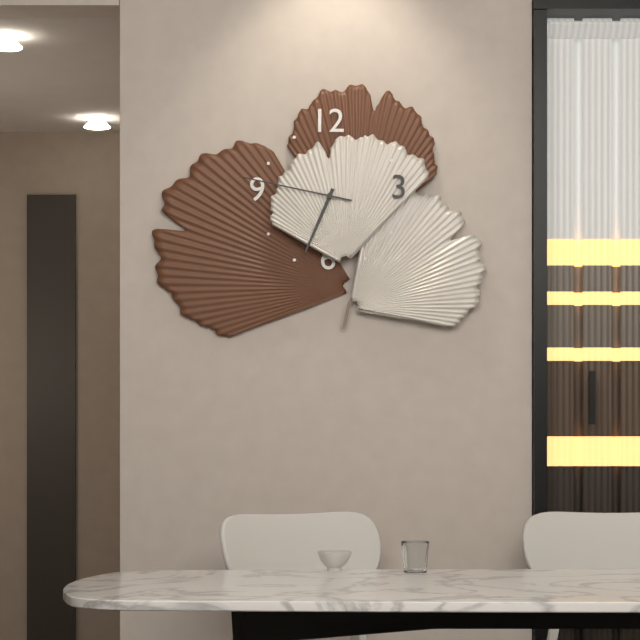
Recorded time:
6 h 47 min
